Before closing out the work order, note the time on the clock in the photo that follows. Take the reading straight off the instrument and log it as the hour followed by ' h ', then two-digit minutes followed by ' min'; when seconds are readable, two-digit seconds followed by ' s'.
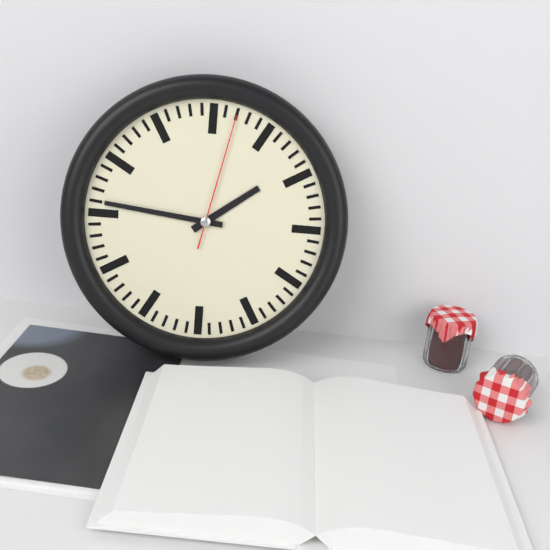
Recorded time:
1 h 46 min 02 s
